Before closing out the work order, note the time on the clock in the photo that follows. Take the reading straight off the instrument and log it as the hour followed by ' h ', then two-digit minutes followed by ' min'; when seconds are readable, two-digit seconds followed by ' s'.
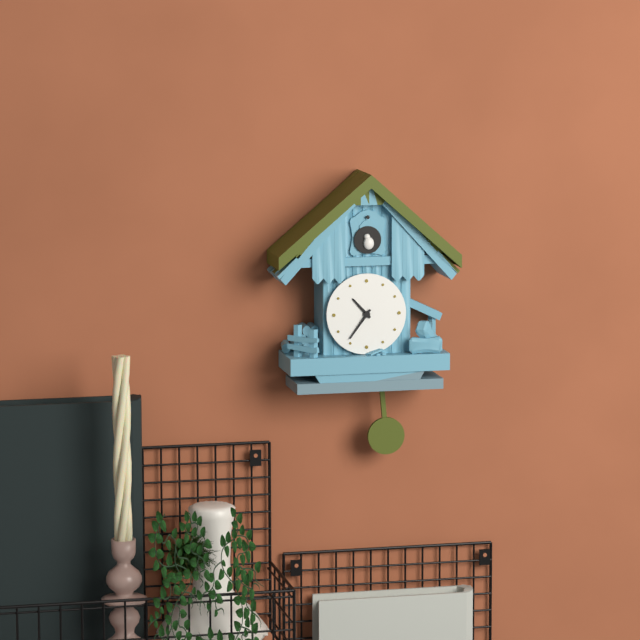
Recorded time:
10 h 36 min
